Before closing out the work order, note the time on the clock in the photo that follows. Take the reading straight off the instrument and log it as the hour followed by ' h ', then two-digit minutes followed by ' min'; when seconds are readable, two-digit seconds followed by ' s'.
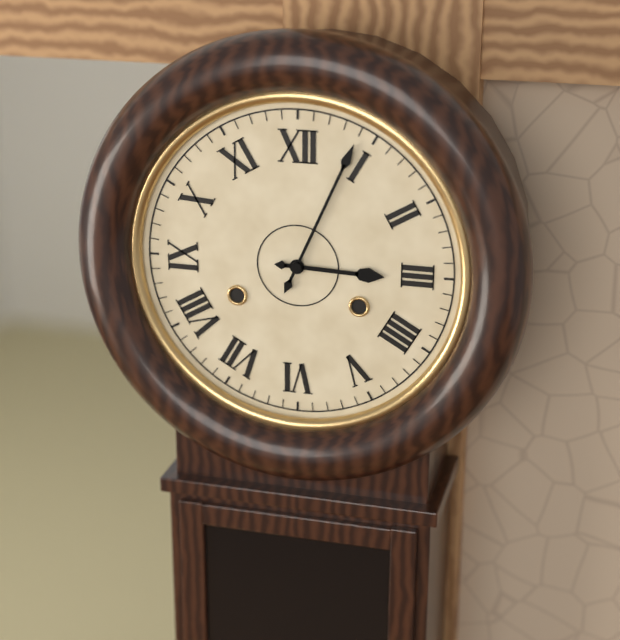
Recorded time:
3 h 04 min
